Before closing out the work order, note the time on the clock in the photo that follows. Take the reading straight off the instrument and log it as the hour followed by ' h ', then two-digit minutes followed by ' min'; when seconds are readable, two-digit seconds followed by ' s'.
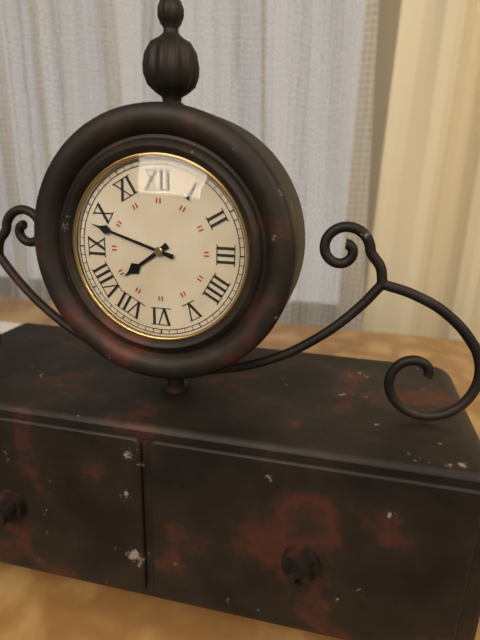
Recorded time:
7 h 48 min
